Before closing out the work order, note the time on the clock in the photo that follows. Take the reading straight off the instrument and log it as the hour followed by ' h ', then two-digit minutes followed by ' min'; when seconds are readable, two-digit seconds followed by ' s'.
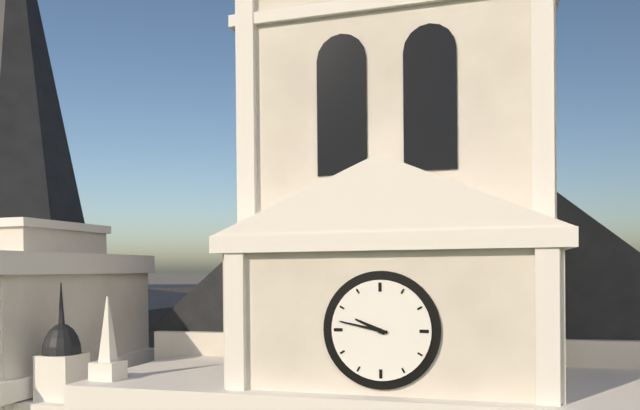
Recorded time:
9 h 47 min
